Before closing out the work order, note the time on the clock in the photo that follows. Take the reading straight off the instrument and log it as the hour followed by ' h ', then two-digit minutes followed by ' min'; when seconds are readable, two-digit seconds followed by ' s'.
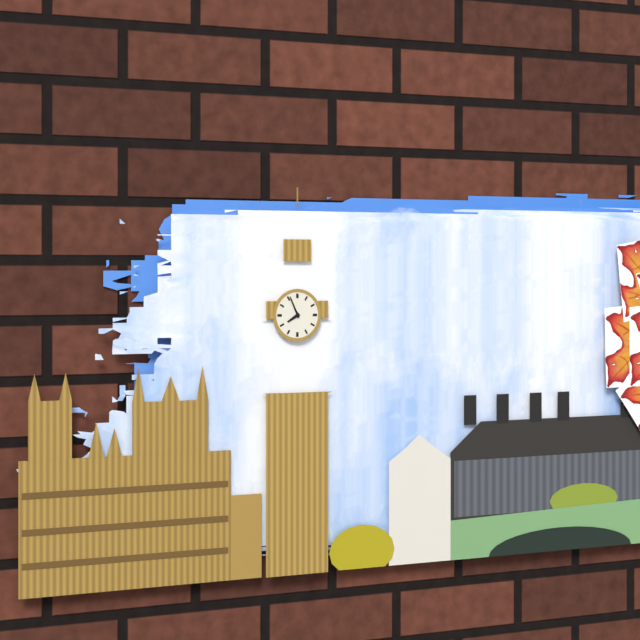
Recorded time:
7 h 56 min
